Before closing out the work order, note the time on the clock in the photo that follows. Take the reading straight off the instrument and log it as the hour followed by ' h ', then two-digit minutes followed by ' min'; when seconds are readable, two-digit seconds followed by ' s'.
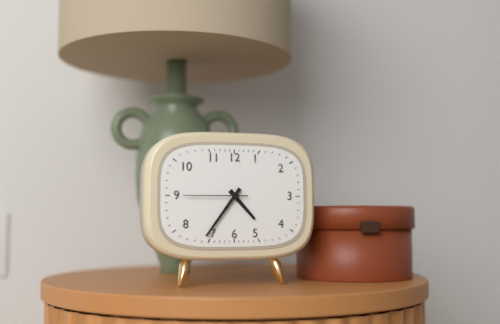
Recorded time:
4 h 36 min 45 s
